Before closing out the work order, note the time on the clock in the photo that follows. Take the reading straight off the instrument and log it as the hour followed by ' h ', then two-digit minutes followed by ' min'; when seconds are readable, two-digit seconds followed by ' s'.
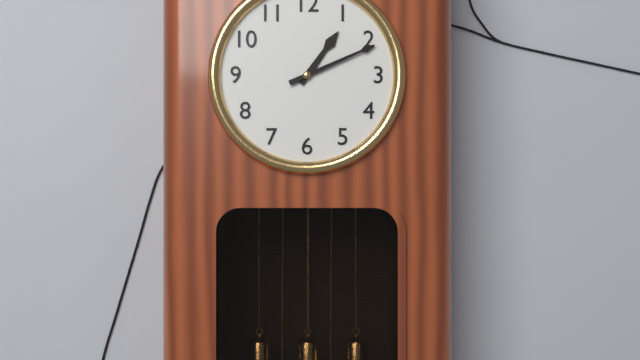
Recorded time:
1 h 11 min
